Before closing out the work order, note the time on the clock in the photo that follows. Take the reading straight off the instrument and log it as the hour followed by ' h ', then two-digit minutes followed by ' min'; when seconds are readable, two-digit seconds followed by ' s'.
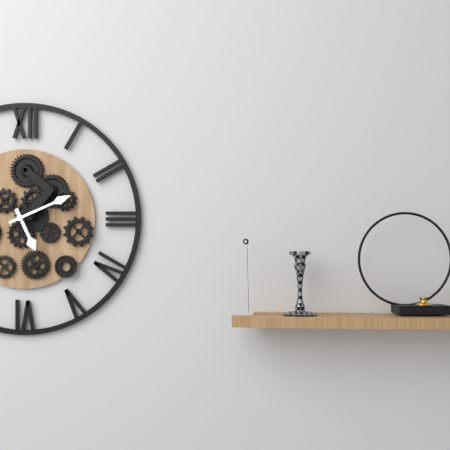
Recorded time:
5 h 11 min
